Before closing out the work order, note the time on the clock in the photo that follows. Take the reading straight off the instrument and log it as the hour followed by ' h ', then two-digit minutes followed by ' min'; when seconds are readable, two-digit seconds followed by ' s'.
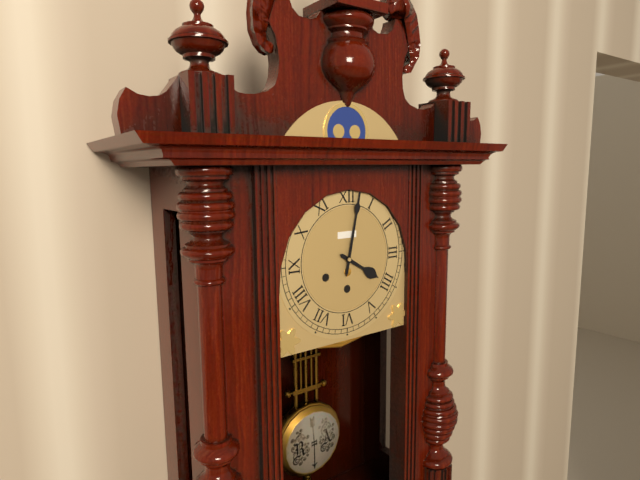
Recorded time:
4 h 02 min
